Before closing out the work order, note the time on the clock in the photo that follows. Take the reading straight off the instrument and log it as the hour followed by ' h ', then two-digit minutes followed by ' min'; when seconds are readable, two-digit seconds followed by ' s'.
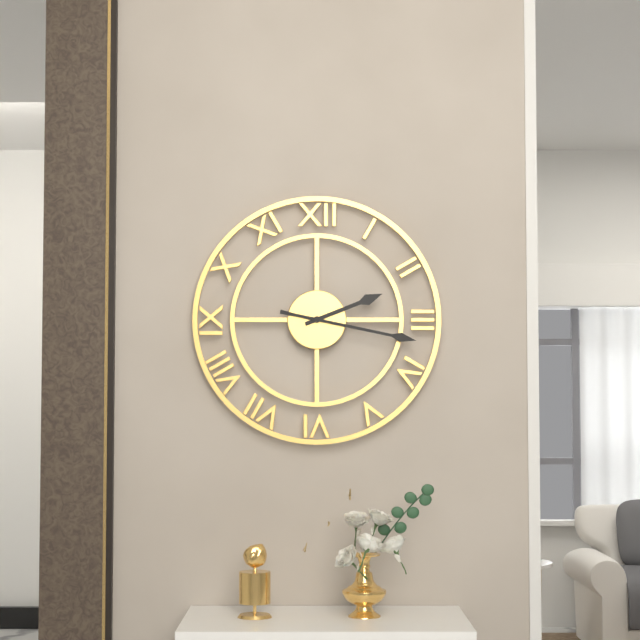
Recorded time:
2 h 17 min
